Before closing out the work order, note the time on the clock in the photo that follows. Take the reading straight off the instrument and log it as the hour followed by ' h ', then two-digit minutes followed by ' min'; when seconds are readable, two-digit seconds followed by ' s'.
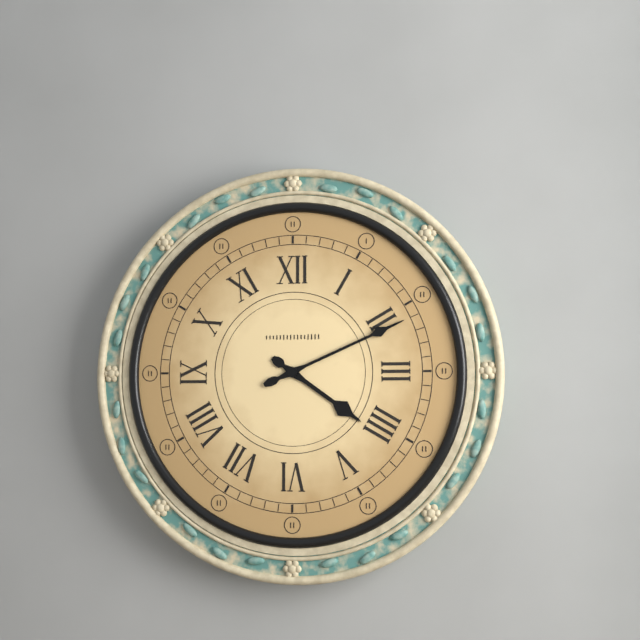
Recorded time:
4 h 11 min
